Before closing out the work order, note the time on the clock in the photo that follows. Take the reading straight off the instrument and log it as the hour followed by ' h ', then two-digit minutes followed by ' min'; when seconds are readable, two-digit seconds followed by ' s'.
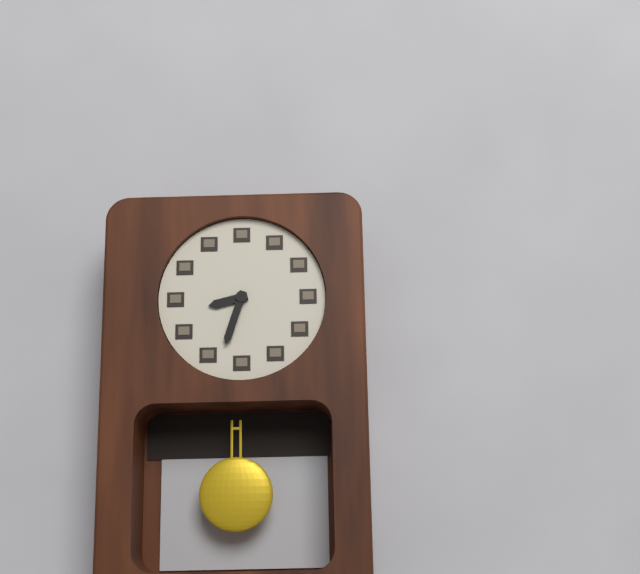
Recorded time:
8 h 33 min
